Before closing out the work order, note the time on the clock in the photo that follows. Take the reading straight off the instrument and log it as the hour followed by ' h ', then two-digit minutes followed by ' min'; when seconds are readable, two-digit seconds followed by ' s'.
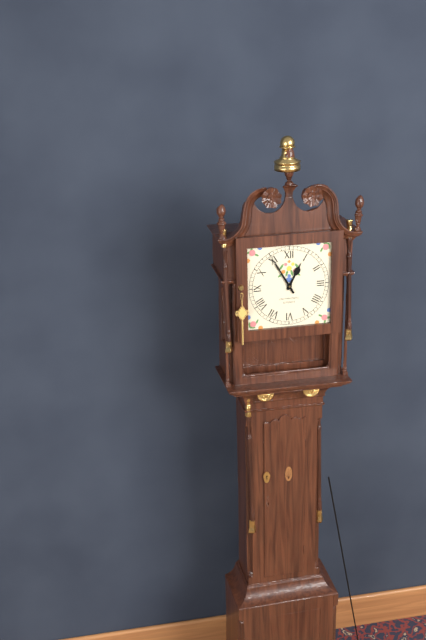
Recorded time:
12 h 55 min
